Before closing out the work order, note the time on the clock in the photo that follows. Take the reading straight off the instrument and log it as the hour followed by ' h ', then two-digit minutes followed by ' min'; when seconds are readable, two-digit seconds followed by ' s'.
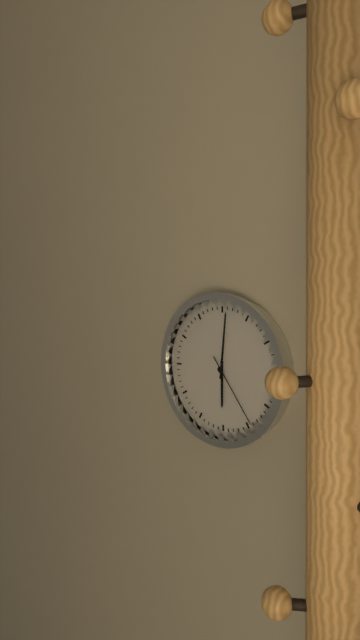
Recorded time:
6 h 01 min 24 s
